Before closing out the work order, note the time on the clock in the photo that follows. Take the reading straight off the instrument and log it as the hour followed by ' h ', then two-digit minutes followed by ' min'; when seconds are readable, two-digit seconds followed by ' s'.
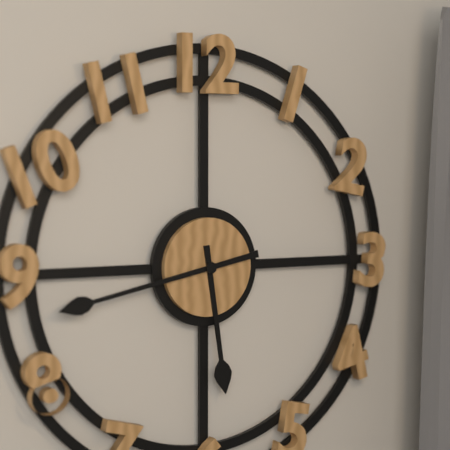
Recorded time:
5 h 43 min
